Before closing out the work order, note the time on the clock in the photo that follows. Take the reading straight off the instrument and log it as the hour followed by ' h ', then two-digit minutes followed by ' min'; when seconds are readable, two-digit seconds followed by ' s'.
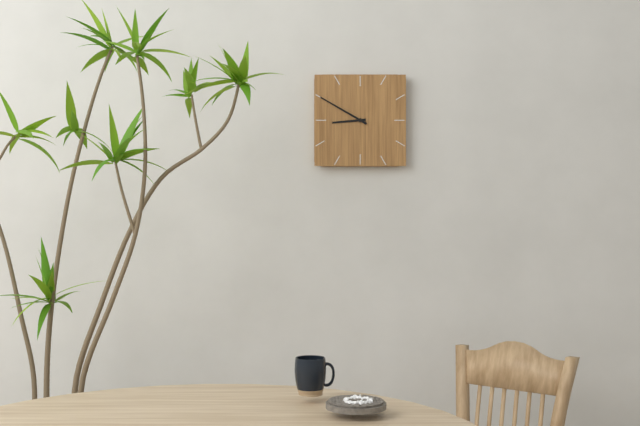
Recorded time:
8 h 50 min
